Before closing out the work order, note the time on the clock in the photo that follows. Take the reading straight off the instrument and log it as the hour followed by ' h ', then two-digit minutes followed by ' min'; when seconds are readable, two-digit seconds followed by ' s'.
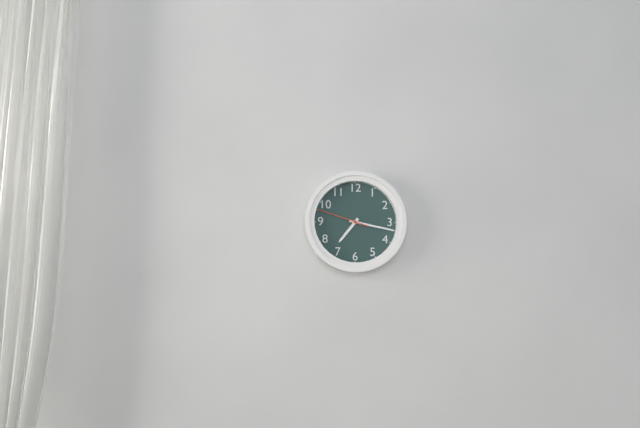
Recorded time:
7 h 17 min 48 s
